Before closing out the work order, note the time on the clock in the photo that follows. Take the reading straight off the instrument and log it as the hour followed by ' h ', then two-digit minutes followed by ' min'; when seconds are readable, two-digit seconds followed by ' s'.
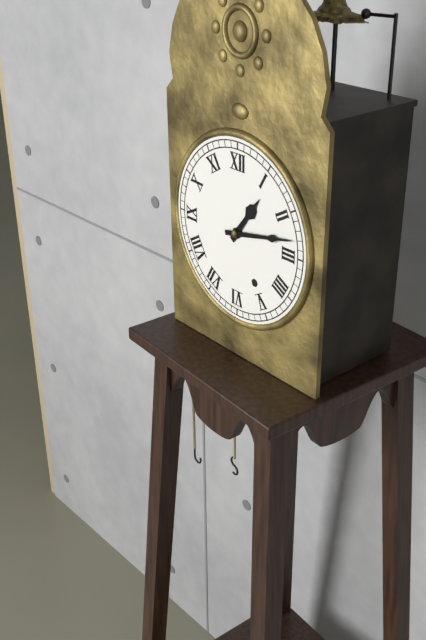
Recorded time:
1 h 13 min
